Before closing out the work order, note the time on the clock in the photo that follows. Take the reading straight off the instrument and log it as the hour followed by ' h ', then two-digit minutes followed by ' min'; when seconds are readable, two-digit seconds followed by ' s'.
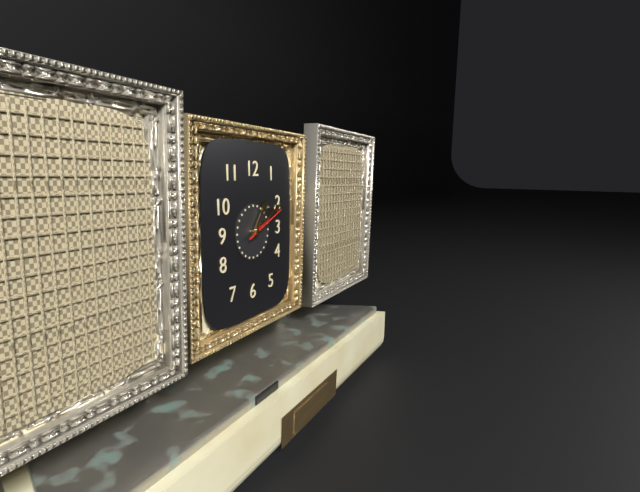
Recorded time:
1 h 10 min
